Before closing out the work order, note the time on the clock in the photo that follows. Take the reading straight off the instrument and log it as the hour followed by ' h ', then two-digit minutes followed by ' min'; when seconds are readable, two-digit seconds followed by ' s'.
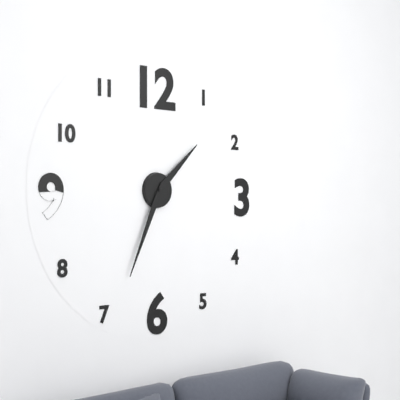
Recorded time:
1 h 34 min
